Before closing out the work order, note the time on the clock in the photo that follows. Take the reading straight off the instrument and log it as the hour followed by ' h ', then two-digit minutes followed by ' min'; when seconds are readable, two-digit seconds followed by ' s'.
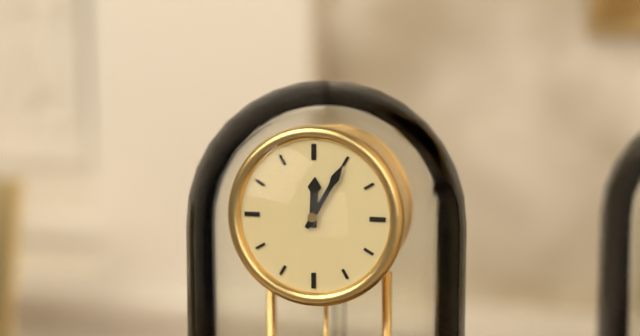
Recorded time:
12 h 05 min
